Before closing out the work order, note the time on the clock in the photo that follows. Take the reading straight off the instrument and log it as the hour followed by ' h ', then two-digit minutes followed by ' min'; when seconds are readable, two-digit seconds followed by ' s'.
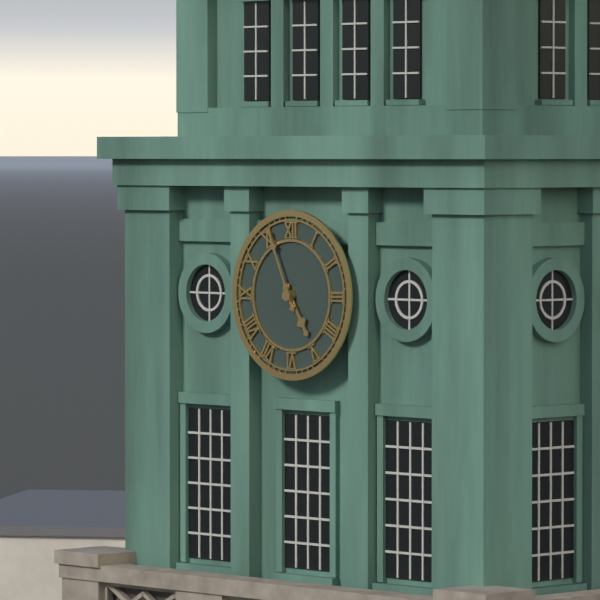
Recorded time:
4 h 56 min
